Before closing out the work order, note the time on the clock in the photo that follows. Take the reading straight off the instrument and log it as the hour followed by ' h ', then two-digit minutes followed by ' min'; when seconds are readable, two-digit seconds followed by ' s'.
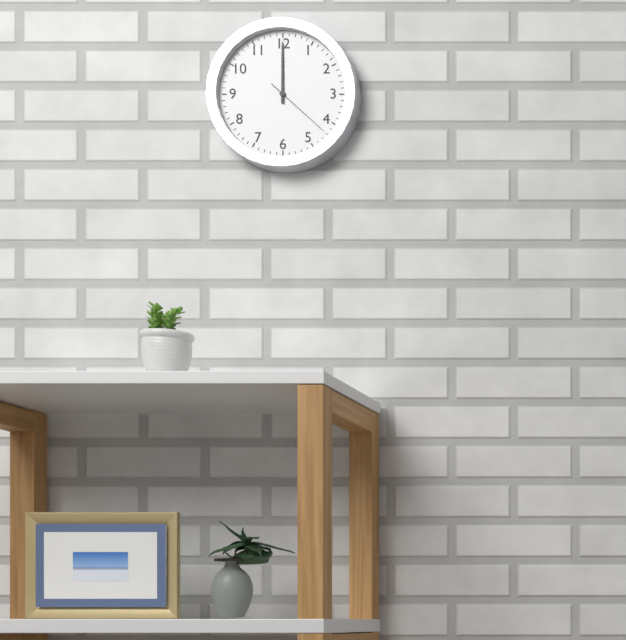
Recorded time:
12 h 00 min 22 s
